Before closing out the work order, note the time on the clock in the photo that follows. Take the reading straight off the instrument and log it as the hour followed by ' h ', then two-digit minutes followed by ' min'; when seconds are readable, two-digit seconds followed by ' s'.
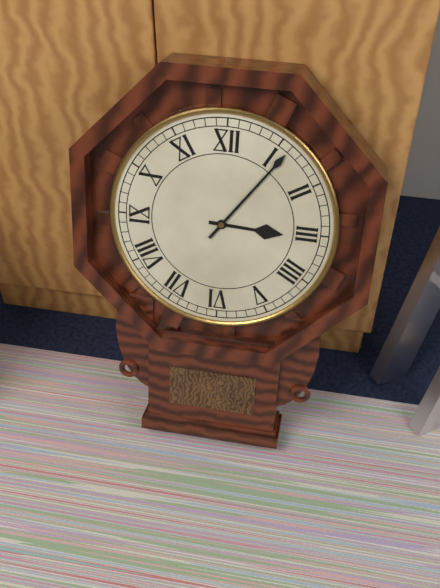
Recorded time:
3 h 06 min
